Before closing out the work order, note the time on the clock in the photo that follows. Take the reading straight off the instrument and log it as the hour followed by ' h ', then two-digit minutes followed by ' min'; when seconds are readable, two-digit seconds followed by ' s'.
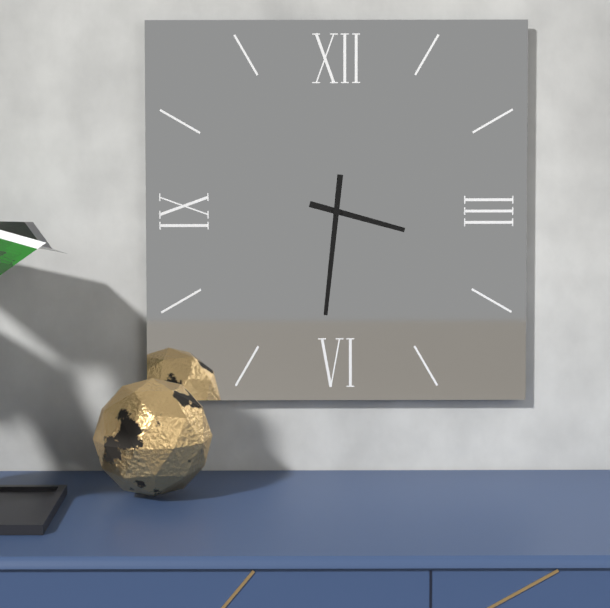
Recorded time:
3 h 31 min
